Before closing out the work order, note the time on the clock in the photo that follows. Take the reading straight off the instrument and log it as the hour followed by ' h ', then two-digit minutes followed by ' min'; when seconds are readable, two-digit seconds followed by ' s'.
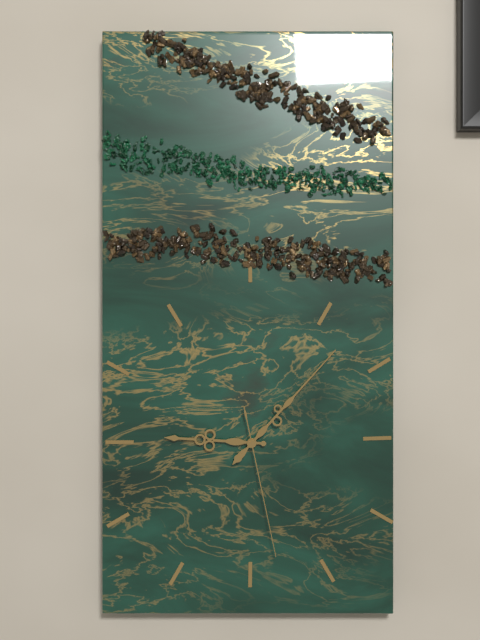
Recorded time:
9 h 07 min 28 s
